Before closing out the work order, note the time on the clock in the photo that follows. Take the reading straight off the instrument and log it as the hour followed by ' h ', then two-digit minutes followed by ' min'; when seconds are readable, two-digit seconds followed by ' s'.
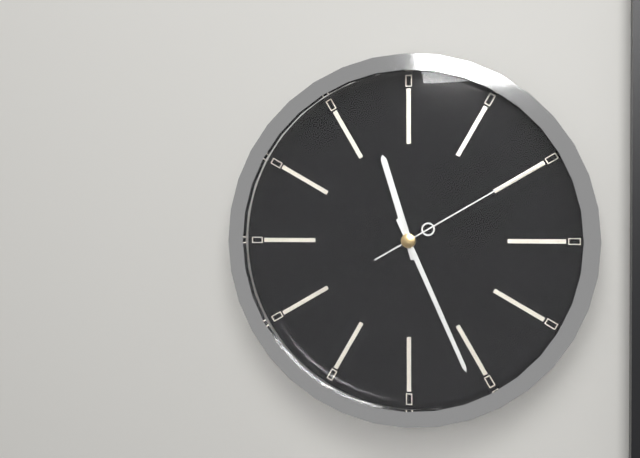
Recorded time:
11 h 26 min 10 s
